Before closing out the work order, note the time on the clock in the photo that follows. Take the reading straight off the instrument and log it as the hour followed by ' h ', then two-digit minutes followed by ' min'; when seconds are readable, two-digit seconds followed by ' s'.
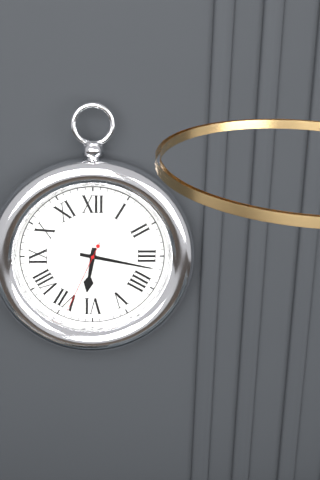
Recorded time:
6 h 17 min 34 s
